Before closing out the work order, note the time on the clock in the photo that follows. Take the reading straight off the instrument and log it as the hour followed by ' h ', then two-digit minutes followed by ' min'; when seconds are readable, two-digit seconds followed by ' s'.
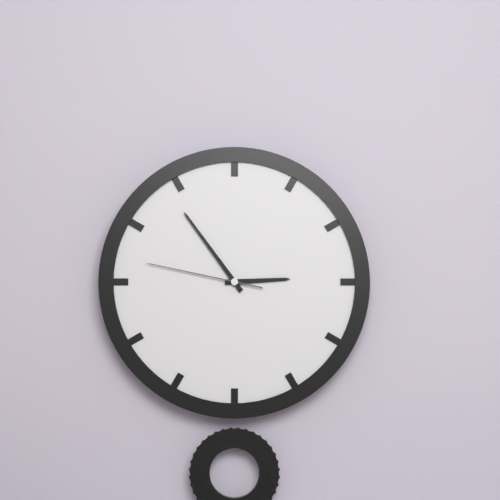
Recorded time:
2 h 54 min 47 s
